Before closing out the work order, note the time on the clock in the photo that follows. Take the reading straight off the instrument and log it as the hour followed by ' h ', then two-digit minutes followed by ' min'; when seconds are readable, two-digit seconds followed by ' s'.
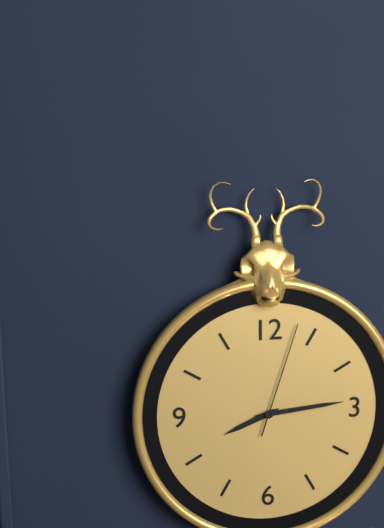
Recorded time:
8 h 14 min 03 s
